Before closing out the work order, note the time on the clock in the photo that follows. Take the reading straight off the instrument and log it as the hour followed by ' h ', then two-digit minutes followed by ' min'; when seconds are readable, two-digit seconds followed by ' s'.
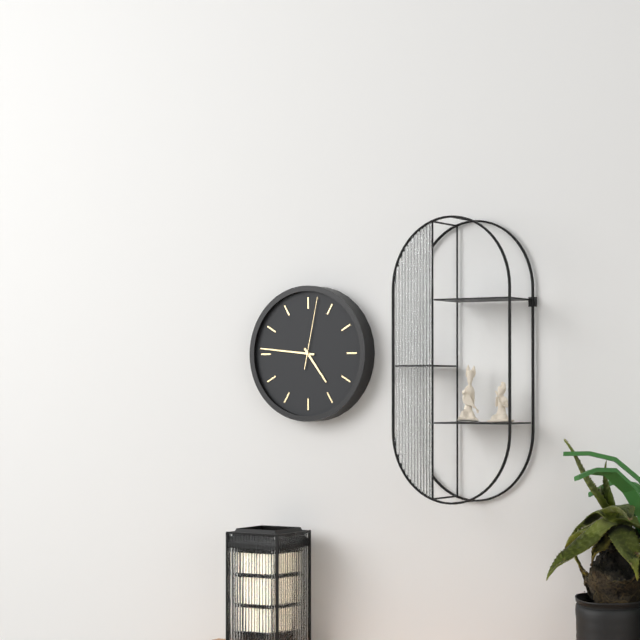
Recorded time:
4 h 46 min 02 s
